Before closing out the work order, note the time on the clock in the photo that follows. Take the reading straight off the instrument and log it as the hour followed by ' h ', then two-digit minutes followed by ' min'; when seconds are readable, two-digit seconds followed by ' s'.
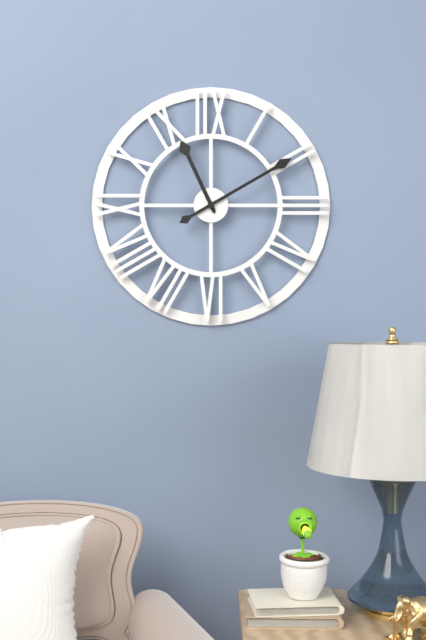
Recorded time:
11 h 10 min
